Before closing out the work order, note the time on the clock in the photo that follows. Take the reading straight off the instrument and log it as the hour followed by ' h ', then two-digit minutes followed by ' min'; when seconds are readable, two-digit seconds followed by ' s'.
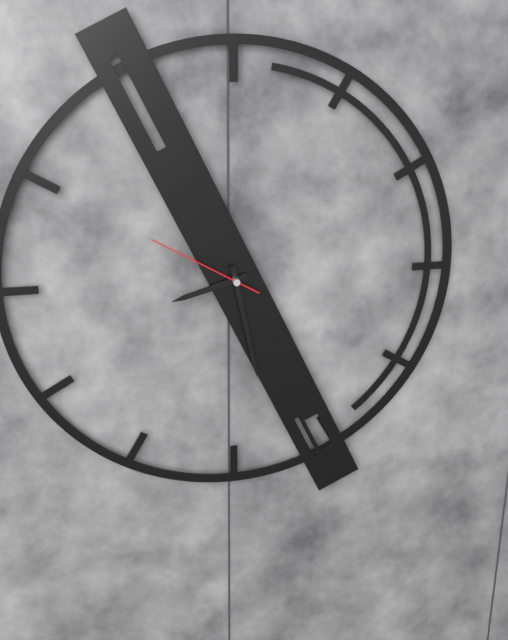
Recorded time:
8 h 28 min 50 s
